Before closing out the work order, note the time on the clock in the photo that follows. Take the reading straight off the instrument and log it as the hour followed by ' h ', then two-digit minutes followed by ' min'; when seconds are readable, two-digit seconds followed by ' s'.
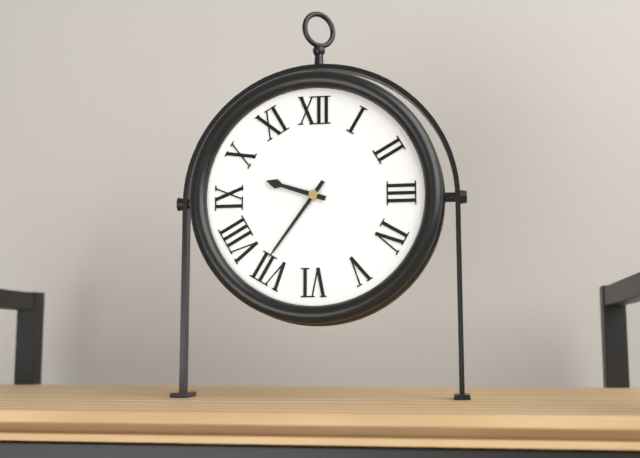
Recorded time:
9 h 36 min
